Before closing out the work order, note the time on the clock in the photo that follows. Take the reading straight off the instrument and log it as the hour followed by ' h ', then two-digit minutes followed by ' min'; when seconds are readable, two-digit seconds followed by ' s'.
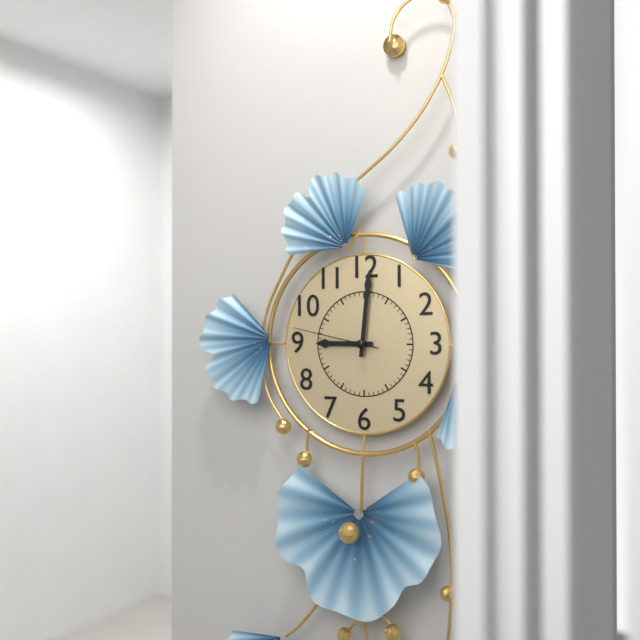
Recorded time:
9 h 01 min 47 s
